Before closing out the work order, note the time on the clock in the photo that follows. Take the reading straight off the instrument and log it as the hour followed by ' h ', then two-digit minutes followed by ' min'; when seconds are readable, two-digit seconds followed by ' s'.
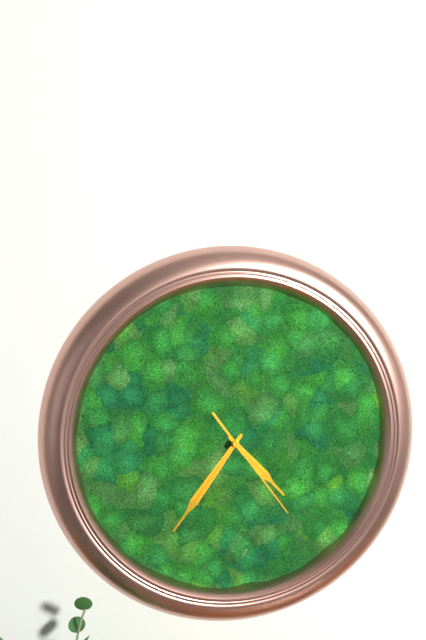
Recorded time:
4 h 36 min 24 s
